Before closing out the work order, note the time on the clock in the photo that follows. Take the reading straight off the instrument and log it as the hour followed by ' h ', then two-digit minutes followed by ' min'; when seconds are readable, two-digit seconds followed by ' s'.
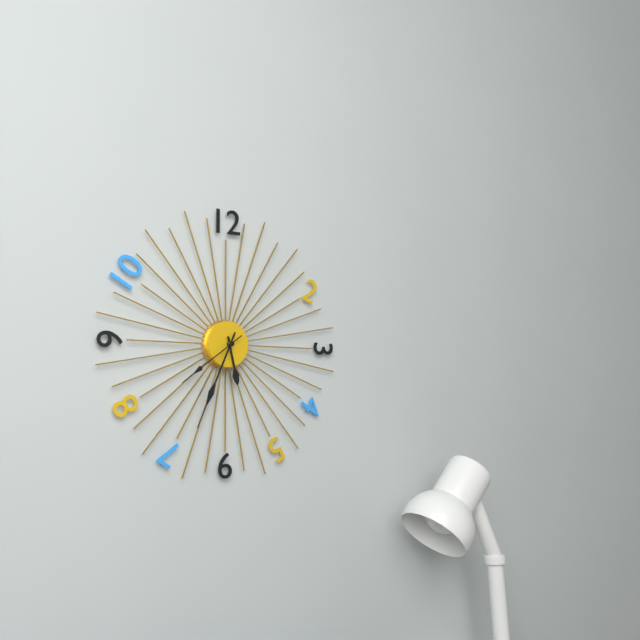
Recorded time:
5 h 34 min 39 s
